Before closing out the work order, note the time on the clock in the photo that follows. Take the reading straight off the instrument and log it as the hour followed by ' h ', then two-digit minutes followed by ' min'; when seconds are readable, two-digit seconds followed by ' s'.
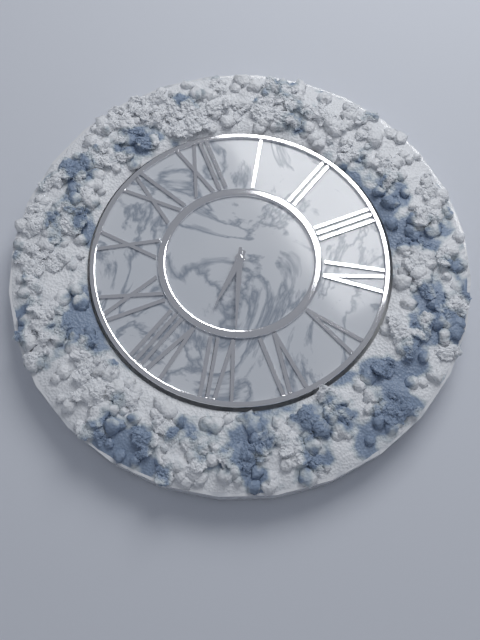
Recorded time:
7 h 34 min
